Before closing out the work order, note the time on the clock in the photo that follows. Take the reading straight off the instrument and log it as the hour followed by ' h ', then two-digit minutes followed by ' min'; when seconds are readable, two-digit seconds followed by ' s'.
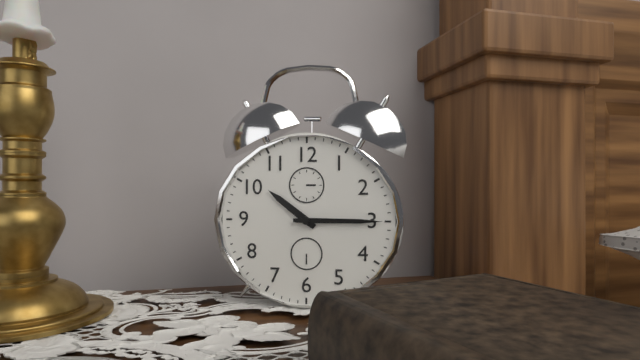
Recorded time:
10 h 15 min
